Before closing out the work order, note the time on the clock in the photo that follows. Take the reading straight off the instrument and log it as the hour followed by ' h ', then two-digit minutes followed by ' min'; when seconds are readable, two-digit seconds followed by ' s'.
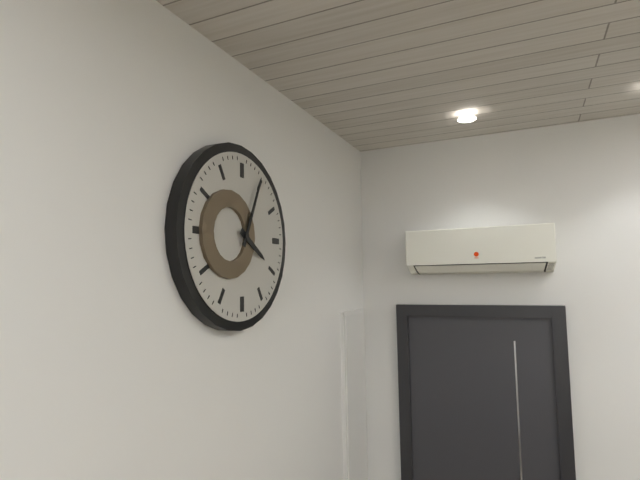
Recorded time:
4 h 04 min
